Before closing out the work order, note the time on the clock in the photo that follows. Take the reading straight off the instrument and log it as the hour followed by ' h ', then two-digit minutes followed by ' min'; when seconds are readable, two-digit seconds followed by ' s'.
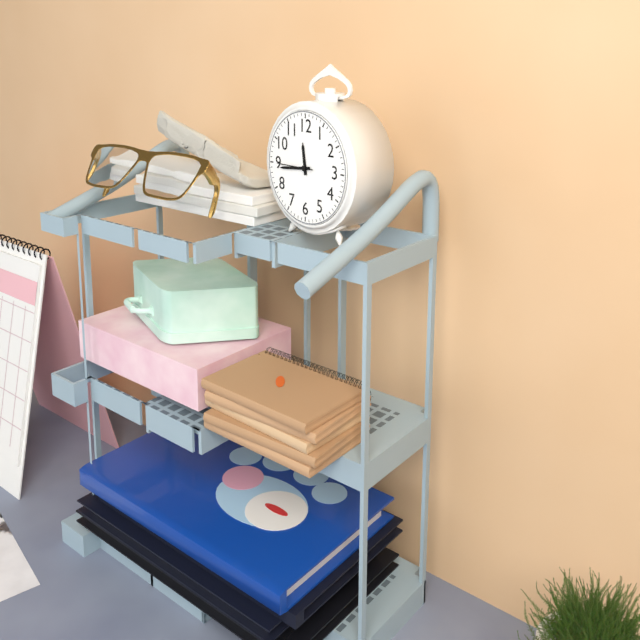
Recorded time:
11 h 44 min
